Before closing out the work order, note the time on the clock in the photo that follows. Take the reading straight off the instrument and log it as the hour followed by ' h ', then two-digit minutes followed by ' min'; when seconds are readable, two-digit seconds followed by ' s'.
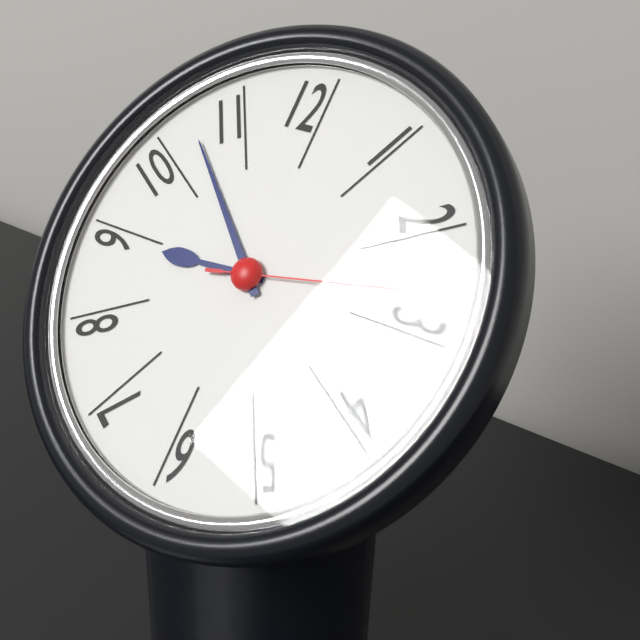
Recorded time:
8 h 52 min 13 s
